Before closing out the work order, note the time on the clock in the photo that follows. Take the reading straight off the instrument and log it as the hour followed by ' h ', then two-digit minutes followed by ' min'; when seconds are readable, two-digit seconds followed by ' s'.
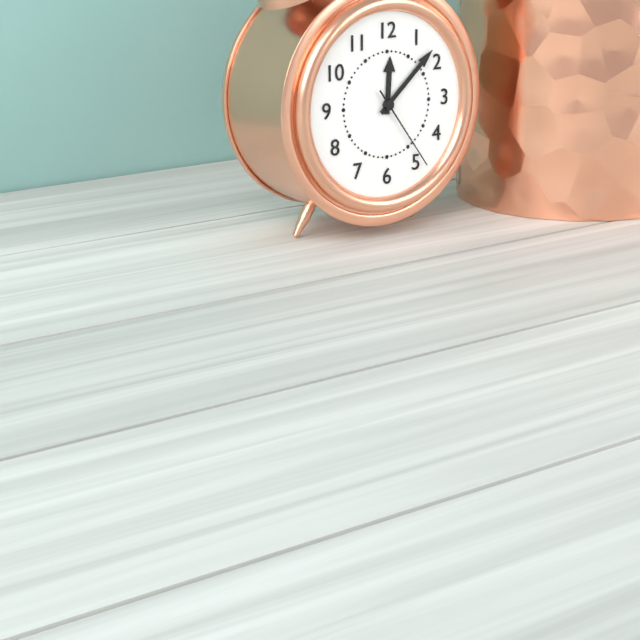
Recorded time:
12 h 08 min 24 s
